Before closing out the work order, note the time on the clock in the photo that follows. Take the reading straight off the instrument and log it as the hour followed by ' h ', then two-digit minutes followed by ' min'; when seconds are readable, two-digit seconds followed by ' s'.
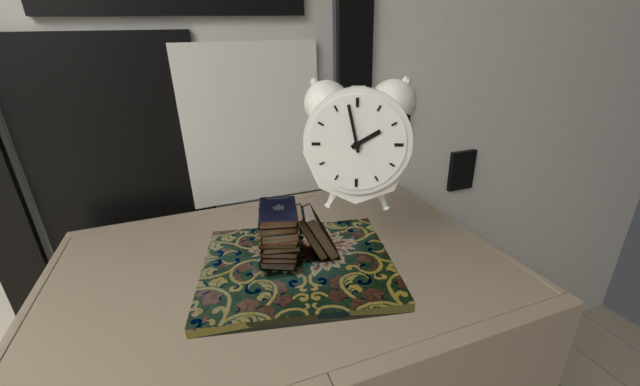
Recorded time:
1 h 58 min
